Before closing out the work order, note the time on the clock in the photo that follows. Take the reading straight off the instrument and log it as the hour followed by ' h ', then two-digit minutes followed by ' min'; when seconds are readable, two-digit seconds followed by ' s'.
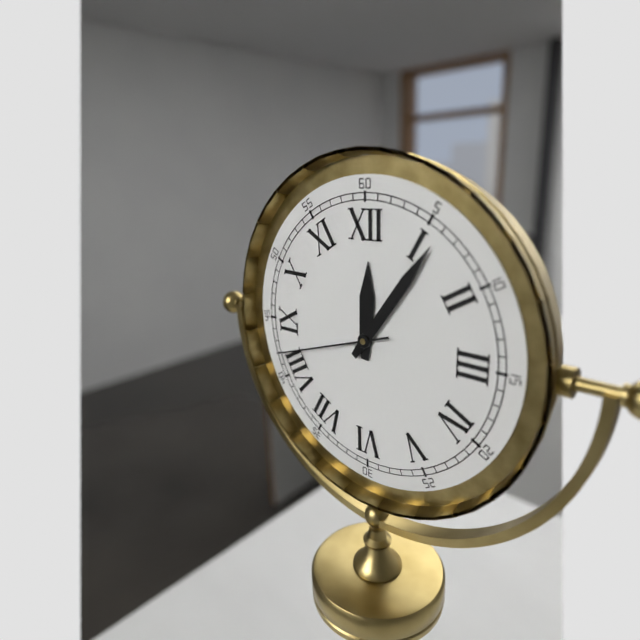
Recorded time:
12 h 06 min 42 s
